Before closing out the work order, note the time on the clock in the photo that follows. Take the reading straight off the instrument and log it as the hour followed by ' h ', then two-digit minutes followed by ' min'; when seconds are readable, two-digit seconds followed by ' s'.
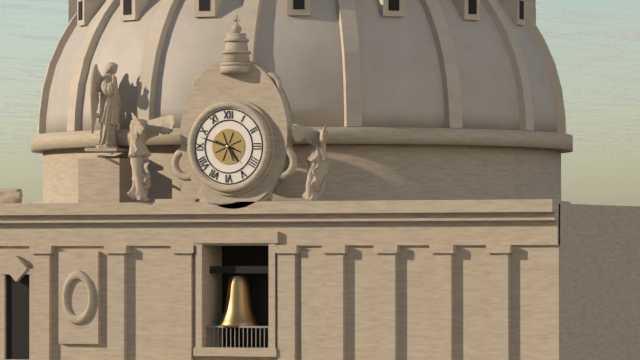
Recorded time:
4 h 48 min
